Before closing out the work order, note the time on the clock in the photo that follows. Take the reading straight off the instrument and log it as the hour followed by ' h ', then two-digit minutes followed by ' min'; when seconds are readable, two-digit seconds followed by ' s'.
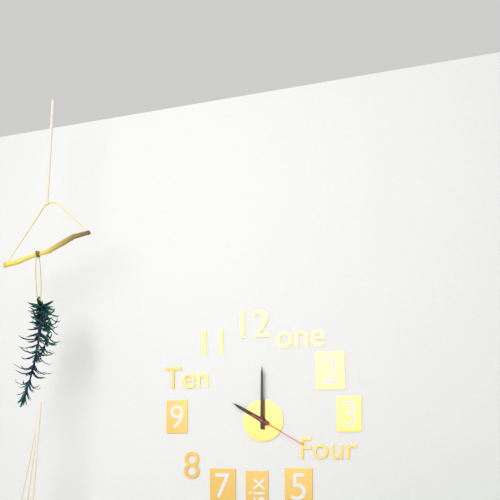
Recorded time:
10 h 00 min 20 s
